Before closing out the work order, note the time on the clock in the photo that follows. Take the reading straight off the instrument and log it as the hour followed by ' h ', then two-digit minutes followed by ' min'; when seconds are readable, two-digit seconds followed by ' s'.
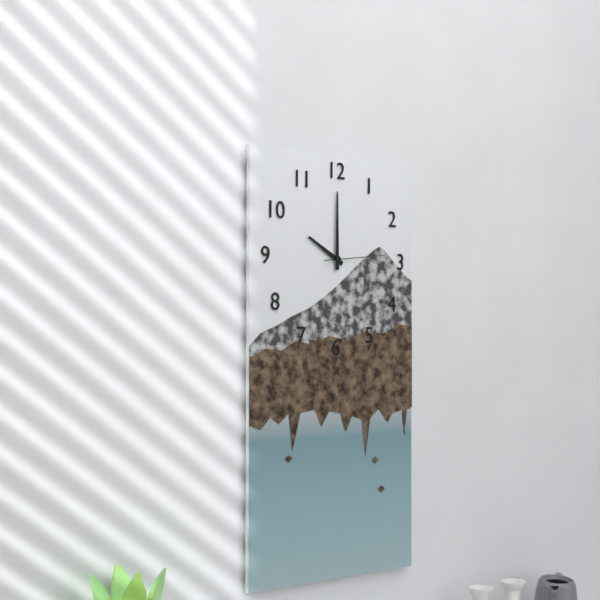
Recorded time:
10 h 00 min 14 s
